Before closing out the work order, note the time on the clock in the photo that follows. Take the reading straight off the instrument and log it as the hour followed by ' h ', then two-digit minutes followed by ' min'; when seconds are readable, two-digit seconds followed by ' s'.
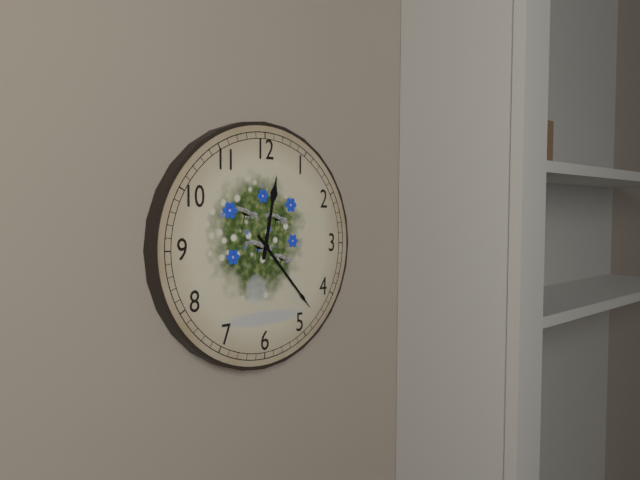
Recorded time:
12 h 23 min
